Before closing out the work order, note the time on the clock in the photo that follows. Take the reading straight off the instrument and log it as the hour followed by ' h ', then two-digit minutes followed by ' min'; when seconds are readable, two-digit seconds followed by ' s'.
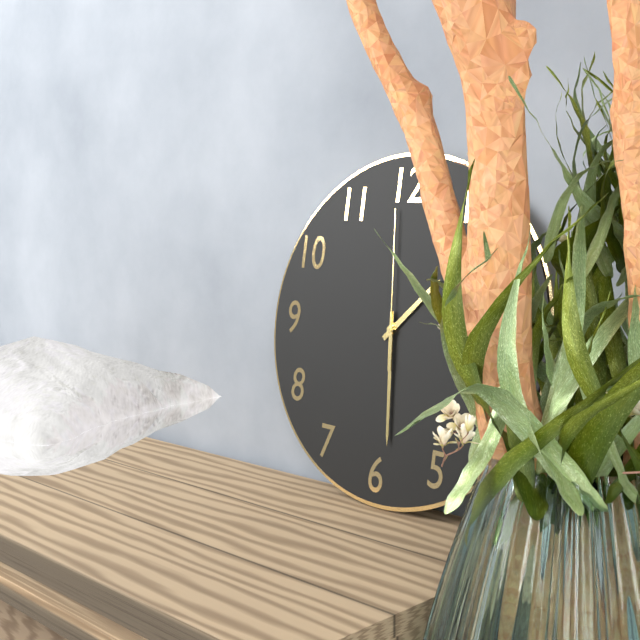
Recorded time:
1 h 29 min 59 s
